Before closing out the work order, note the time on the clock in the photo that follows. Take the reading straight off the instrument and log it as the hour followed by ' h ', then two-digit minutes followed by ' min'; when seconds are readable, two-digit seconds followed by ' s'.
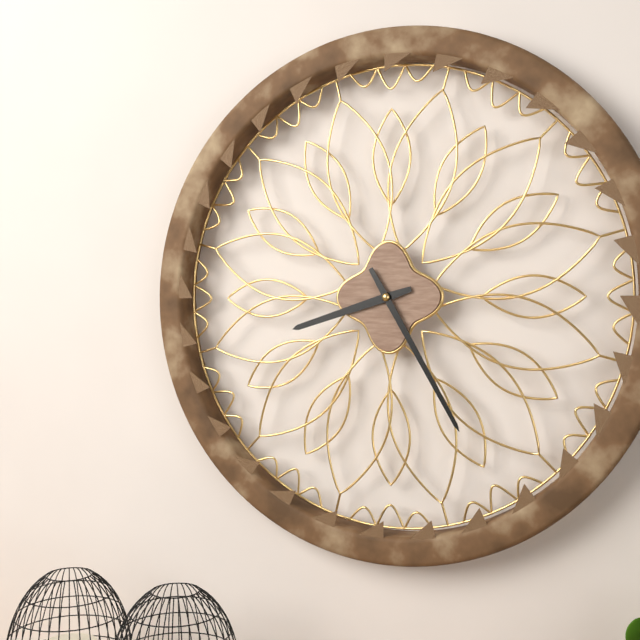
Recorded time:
8 h 25 min
